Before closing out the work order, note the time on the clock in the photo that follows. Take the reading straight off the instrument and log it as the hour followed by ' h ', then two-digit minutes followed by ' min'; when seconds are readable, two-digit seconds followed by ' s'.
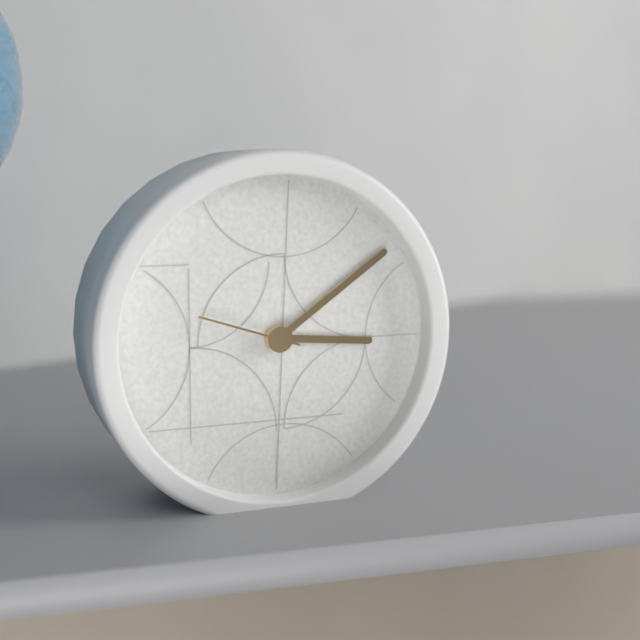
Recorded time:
3 h 09 min 48 s
